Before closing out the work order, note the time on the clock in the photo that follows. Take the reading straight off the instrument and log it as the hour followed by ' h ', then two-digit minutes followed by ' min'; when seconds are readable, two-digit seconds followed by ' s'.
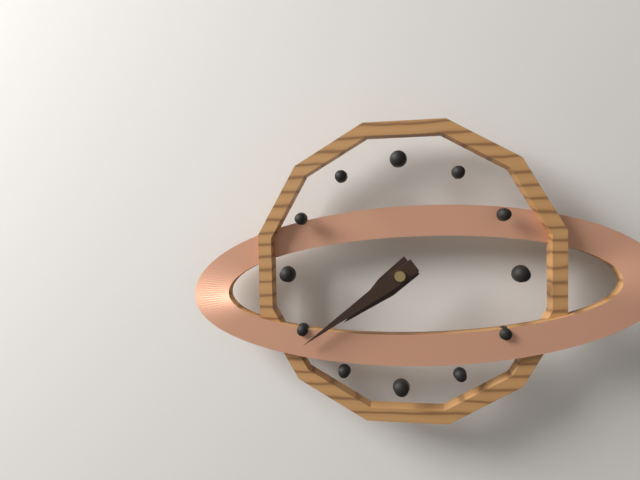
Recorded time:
7 h 39 min
